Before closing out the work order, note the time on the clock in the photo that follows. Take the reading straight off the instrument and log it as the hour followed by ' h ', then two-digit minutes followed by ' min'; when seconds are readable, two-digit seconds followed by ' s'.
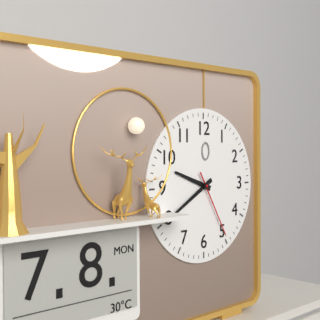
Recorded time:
9 h 40 min 25 s
